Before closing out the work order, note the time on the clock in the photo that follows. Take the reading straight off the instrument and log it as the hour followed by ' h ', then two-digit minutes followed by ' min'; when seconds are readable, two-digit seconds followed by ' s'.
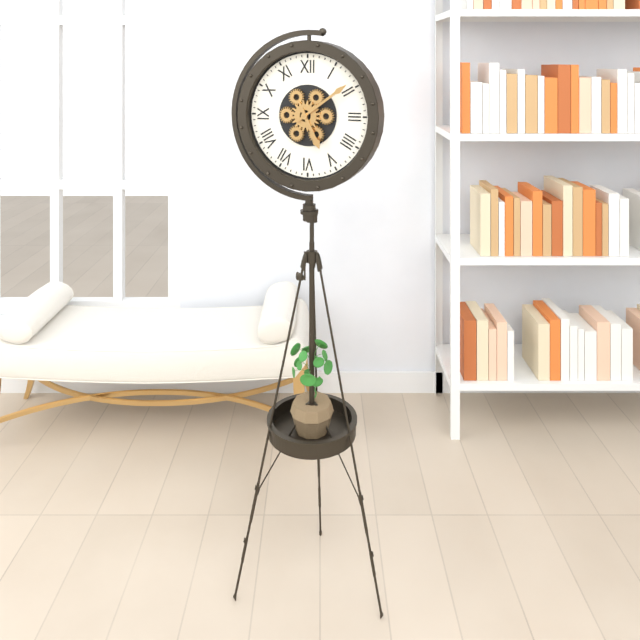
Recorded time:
5 h 09 min
